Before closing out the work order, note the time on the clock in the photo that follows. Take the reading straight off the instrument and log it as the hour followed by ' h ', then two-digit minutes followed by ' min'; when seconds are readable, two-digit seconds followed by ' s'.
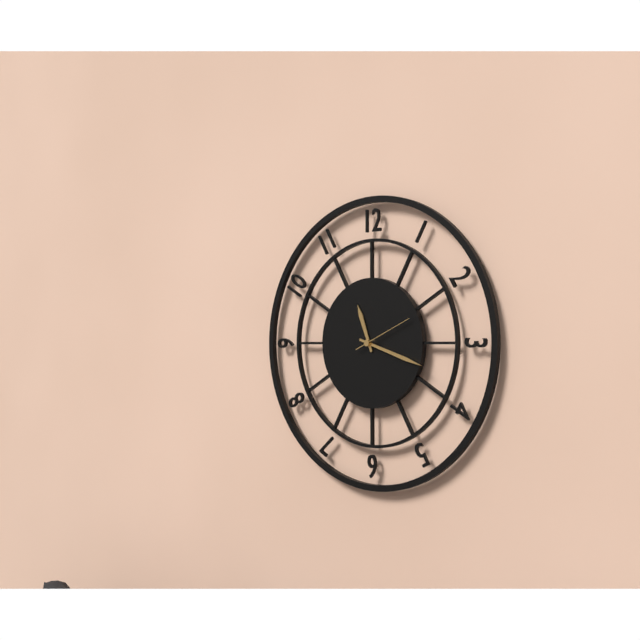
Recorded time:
11 h 18 min 11 s
